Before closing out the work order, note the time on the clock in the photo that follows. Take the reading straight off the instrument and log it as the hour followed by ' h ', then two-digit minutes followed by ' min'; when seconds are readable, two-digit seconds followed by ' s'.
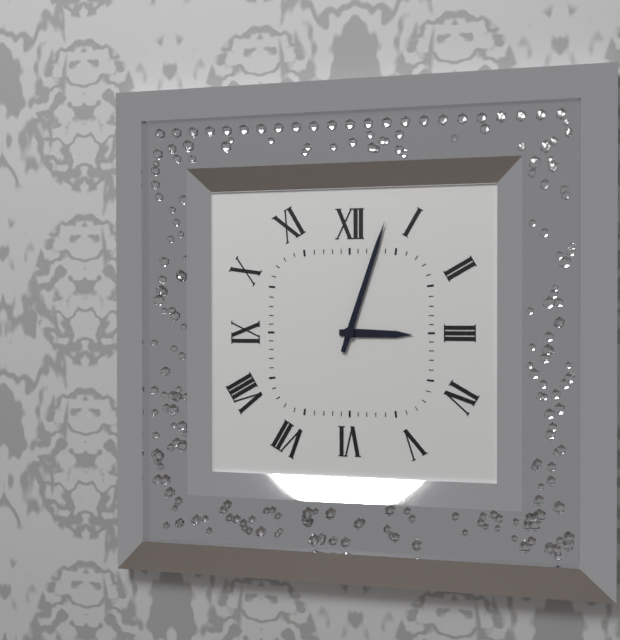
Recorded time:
3 h 03 min
